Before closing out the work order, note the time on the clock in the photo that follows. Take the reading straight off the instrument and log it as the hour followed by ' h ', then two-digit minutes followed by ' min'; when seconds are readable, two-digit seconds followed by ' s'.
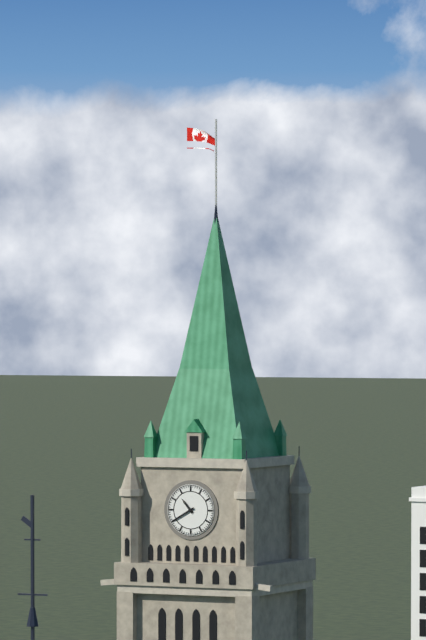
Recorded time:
10 h 40 min
